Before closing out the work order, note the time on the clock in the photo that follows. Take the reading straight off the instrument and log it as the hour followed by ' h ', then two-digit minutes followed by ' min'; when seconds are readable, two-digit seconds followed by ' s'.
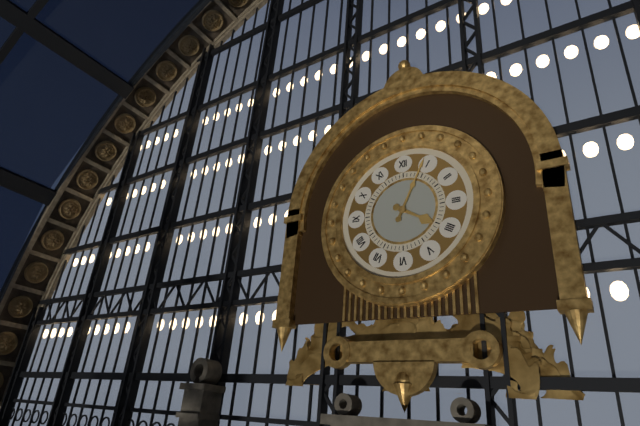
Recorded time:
4 h 04 min
